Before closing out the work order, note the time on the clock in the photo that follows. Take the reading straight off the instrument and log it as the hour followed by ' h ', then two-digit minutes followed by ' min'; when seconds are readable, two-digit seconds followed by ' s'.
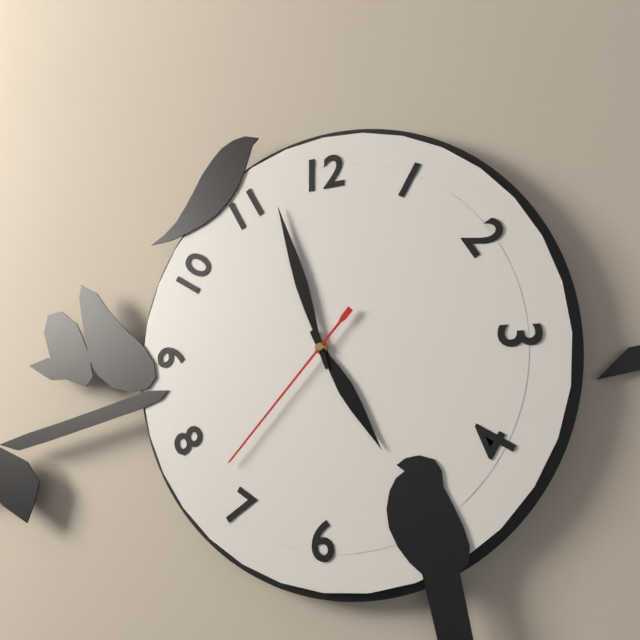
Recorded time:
4 h 57 min 37 s
